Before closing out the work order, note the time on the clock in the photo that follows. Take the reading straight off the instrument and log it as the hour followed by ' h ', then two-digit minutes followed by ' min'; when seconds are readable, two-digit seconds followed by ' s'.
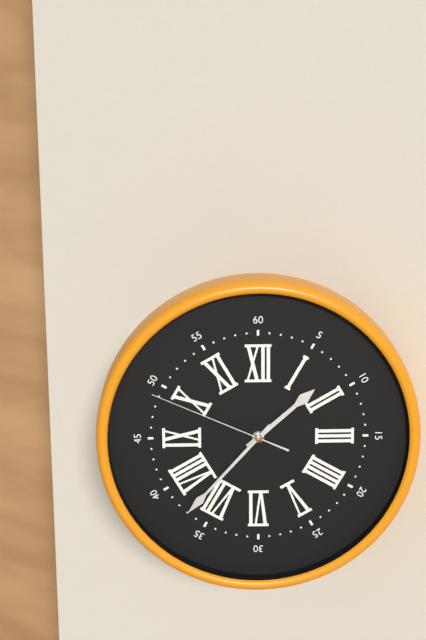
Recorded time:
1 h 37 min 49 s
